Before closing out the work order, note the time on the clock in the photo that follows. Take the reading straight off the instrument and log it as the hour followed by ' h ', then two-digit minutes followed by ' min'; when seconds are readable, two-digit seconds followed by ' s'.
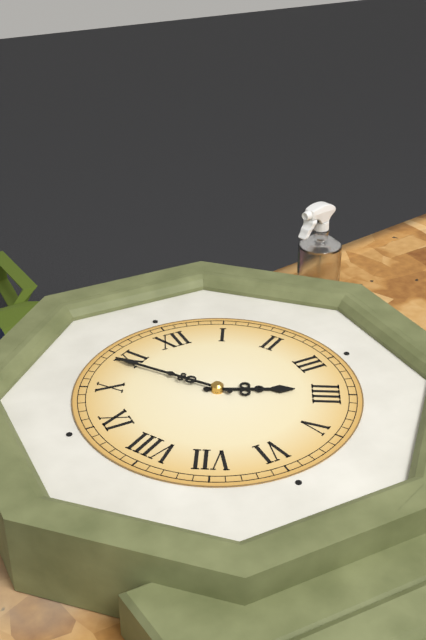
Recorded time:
3 h 54 min
